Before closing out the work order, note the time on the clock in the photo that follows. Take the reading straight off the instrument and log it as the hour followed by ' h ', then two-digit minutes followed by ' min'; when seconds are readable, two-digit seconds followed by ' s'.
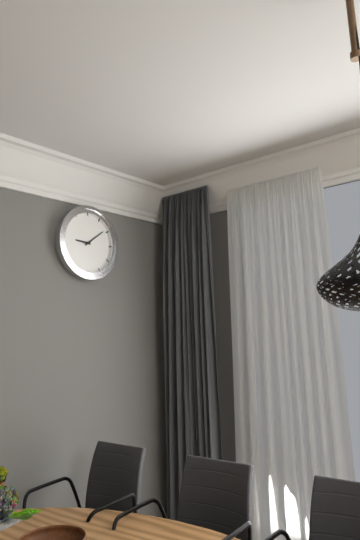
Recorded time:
9 h 09 min
